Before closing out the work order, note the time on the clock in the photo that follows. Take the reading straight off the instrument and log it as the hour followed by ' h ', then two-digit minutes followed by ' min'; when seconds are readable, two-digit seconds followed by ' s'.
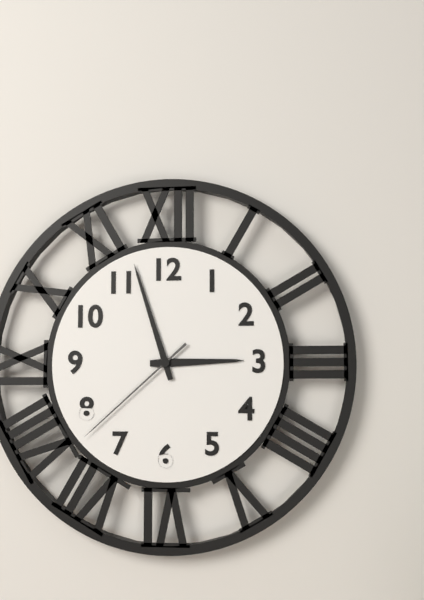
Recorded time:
2 h 57 min 38 s
